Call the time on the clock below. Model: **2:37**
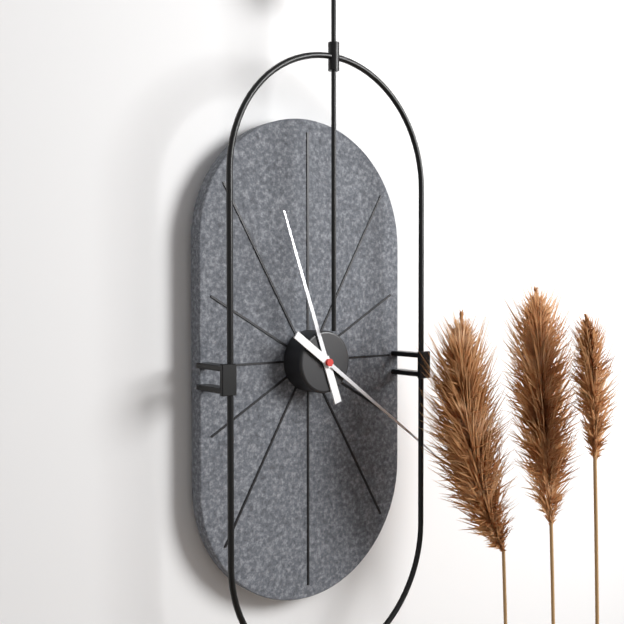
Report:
**11:21**
